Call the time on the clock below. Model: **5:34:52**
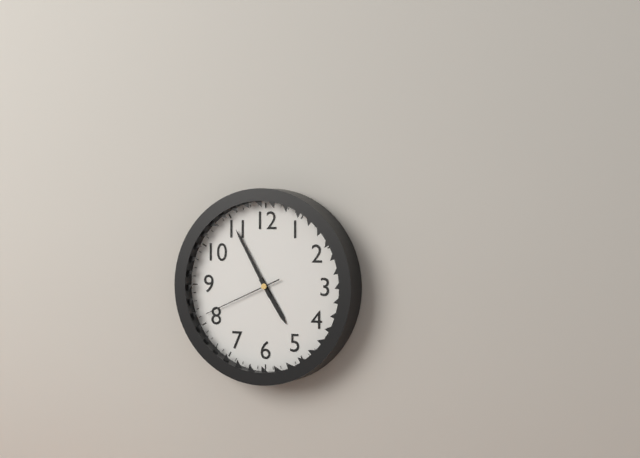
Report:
**4:55:41**
